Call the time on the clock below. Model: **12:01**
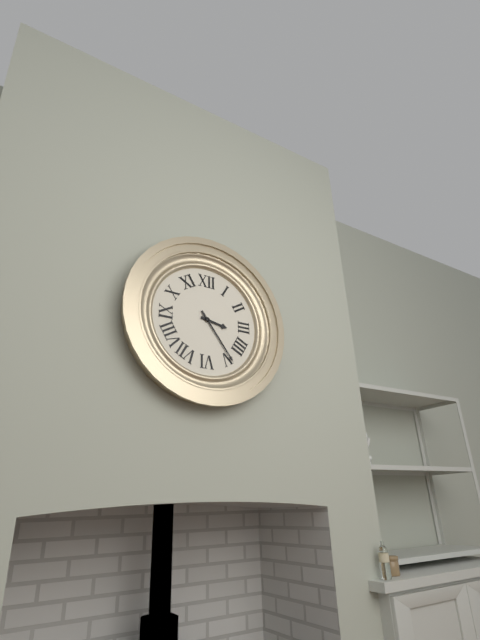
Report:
**3:24**
